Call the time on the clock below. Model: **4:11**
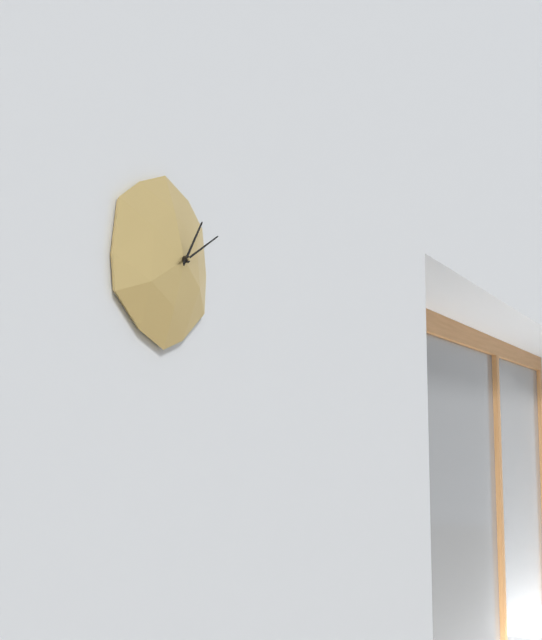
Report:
**1:10**
